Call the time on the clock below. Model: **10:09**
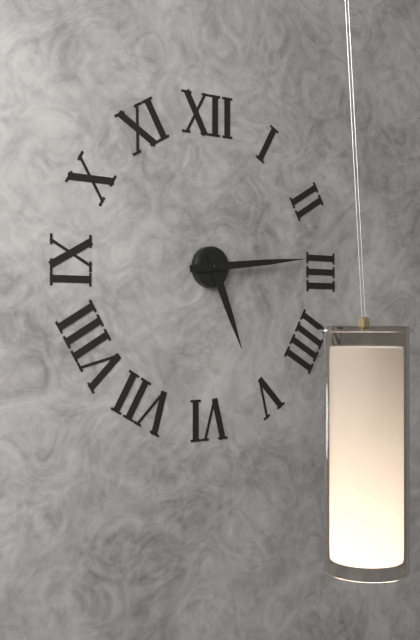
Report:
**5:14**
